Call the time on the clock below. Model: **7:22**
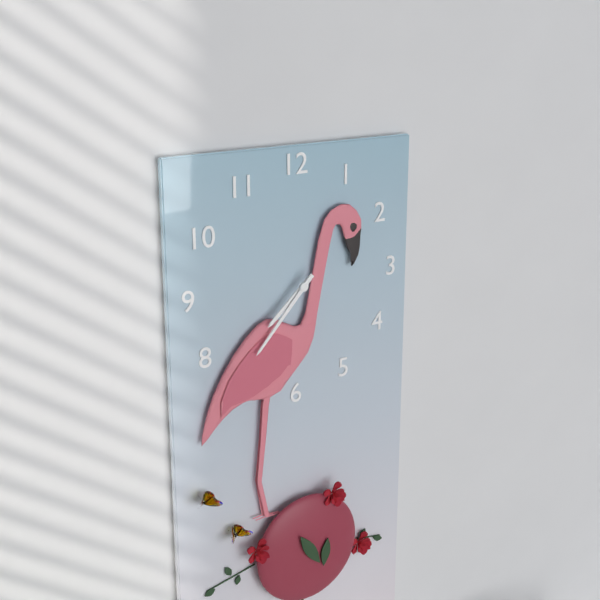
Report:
**7:37**
